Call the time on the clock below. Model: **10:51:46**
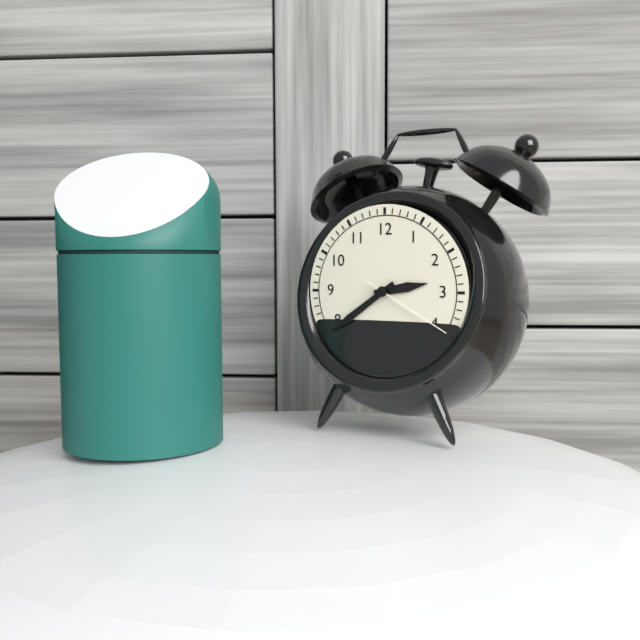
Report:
**2:39:20**
